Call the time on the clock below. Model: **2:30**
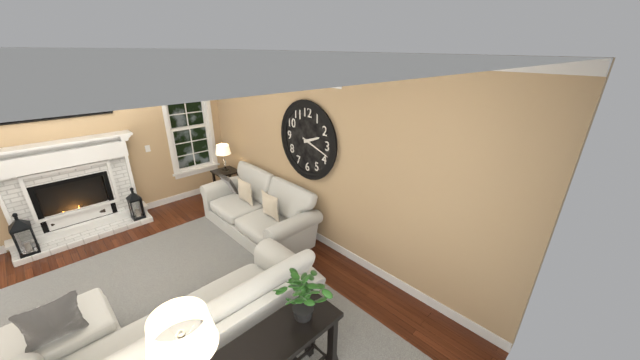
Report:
**2:18**
